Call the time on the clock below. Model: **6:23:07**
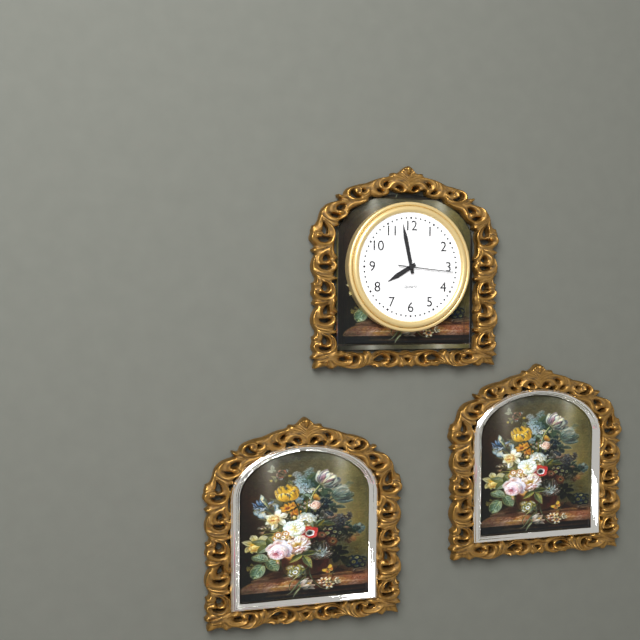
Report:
**7:58:16**
